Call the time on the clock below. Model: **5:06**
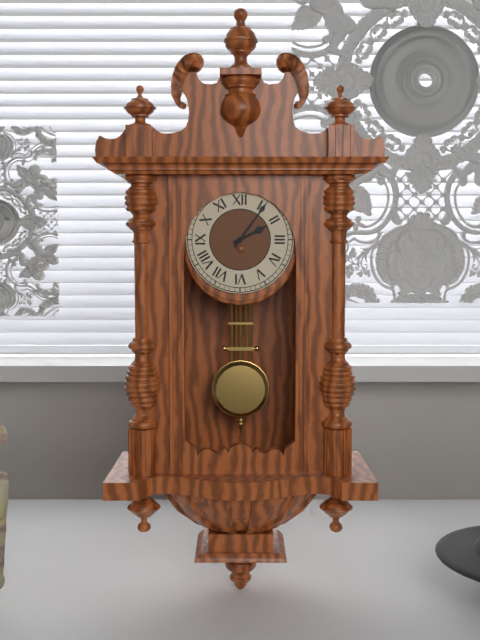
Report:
**2:06**
